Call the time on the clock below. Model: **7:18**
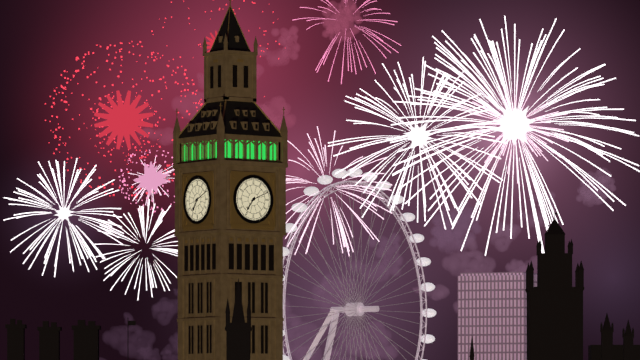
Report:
**7:11**
